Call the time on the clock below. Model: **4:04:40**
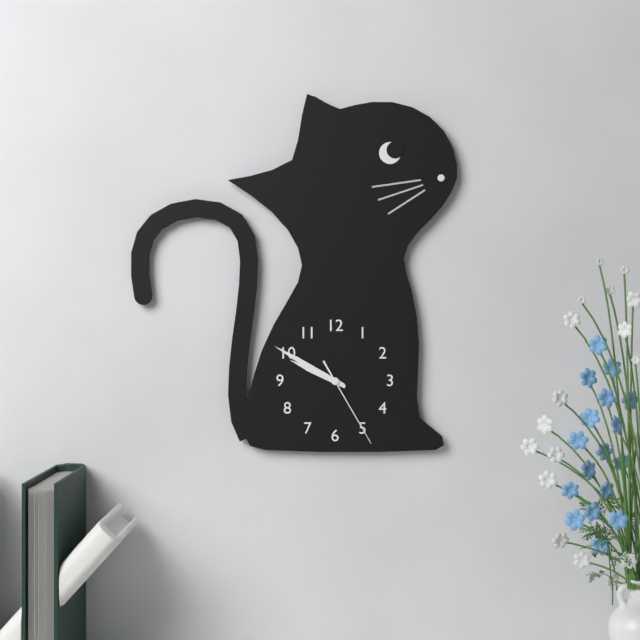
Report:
**9:50:25**
